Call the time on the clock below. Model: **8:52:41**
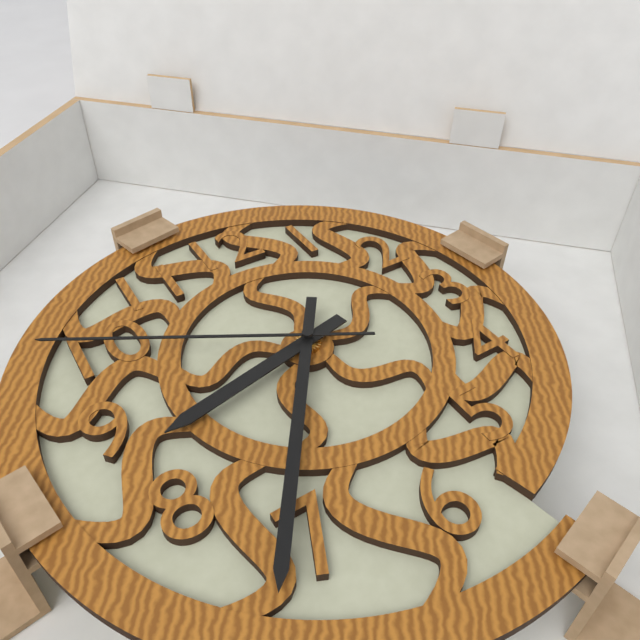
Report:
**8:36:50**
